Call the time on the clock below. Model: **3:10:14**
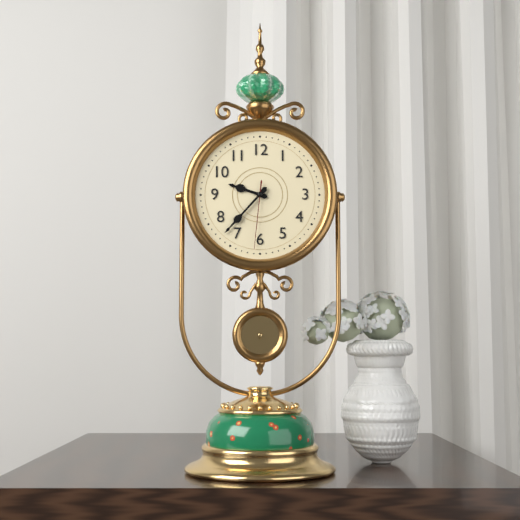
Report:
**9:37:31**
